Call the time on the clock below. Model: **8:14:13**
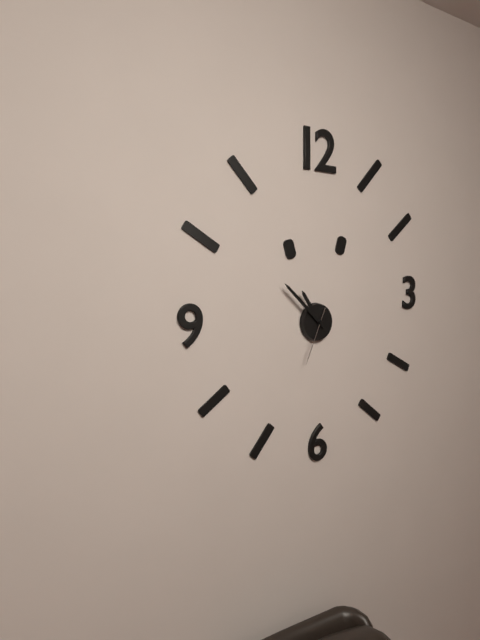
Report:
**10:52:34**
